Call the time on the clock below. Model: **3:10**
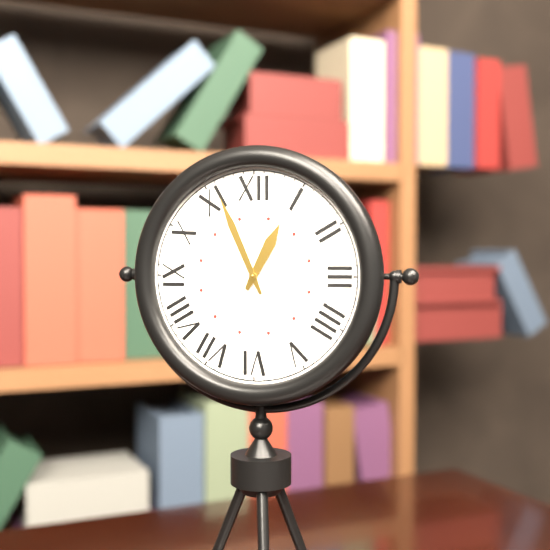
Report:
**12:56**
